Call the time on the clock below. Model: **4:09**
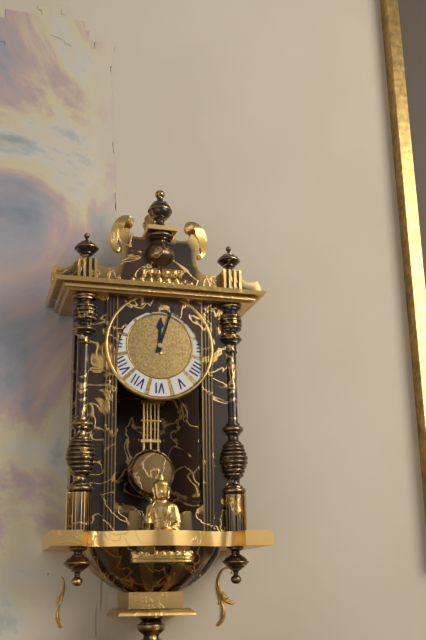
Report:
**12:03**
